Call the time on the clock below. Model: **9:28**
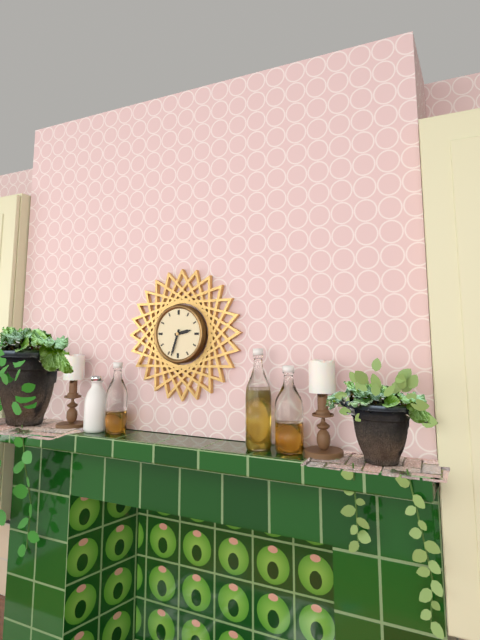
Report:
**2:33**
